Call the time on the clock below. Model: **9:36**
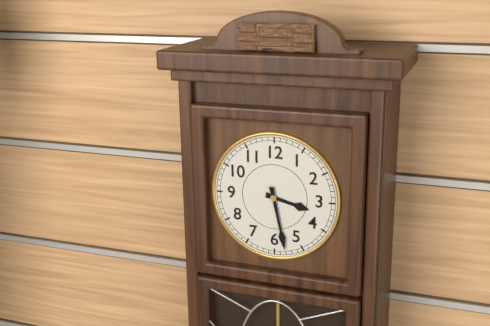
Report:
**3:28**
